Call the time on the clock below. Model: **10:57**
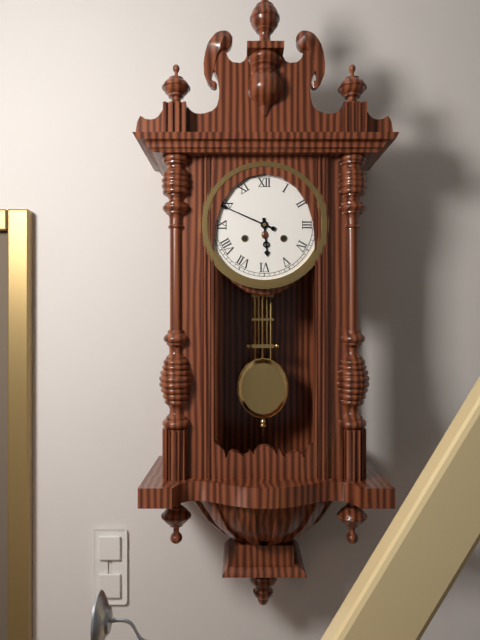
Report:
**5:49**
